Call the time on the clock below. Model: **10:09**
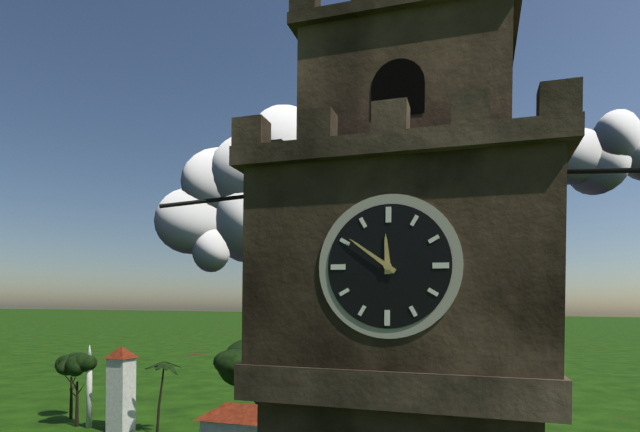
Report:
**11:51**
